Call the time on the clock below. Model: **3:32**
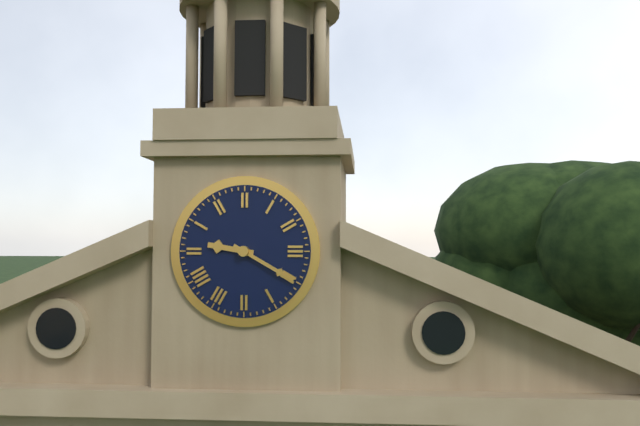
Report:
**9:20**
